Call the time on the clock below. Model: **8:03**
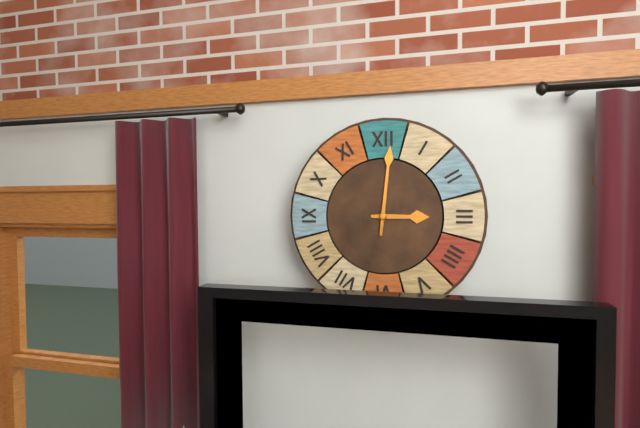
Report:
**3:01**
